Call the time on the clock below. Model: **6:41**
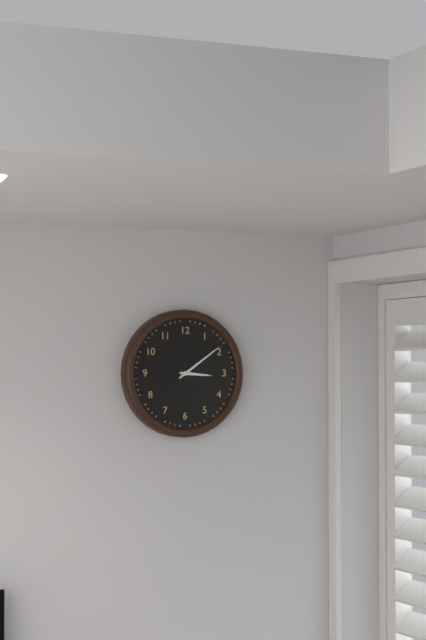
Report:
**3:09**
